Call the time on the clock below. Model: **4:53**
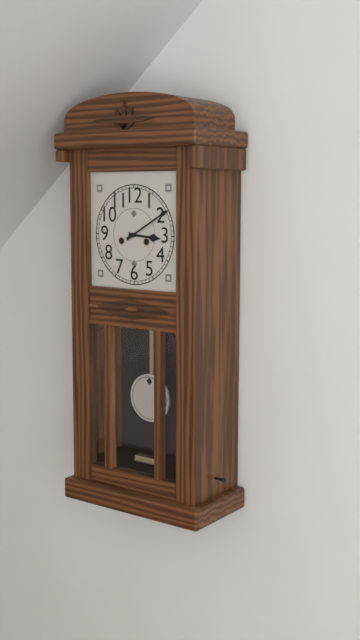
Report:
**3:10**
